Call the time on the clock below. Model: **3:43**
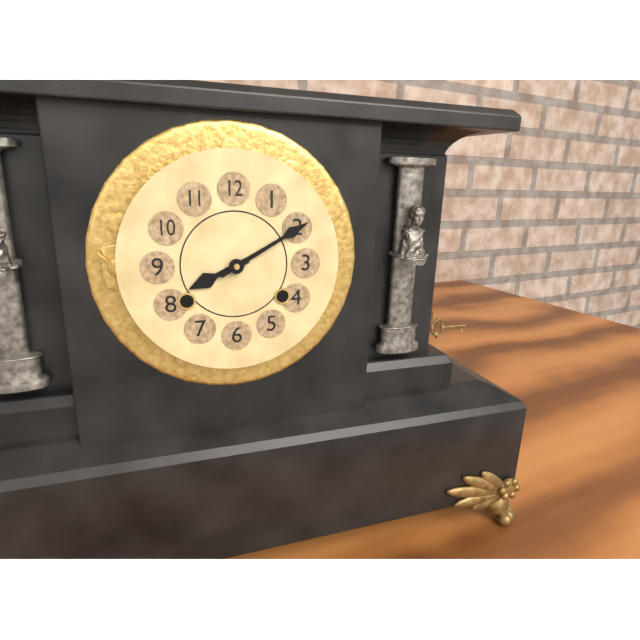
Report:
**8:10**
